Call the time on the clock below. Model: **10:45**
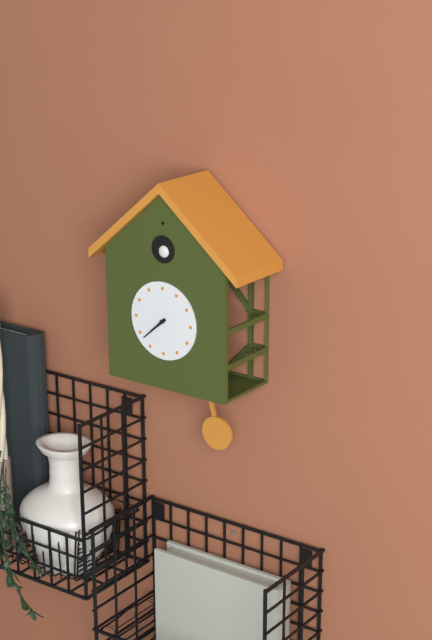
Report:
**7:38**
